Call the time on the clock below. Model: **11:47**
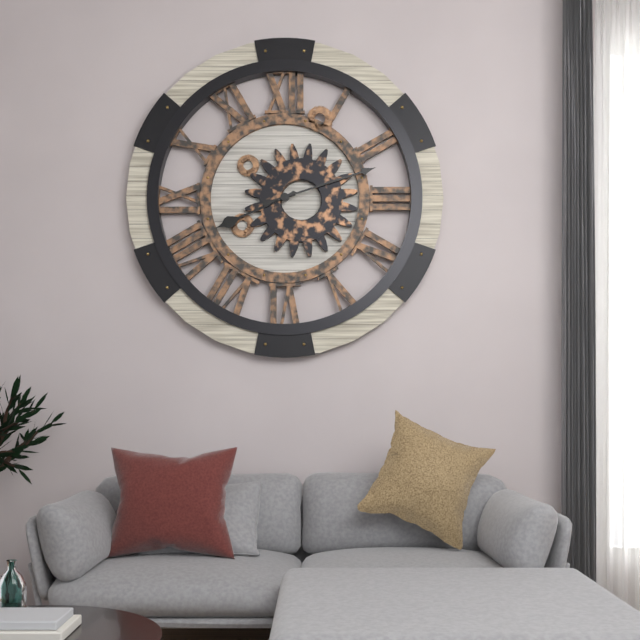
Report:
**8:12**
